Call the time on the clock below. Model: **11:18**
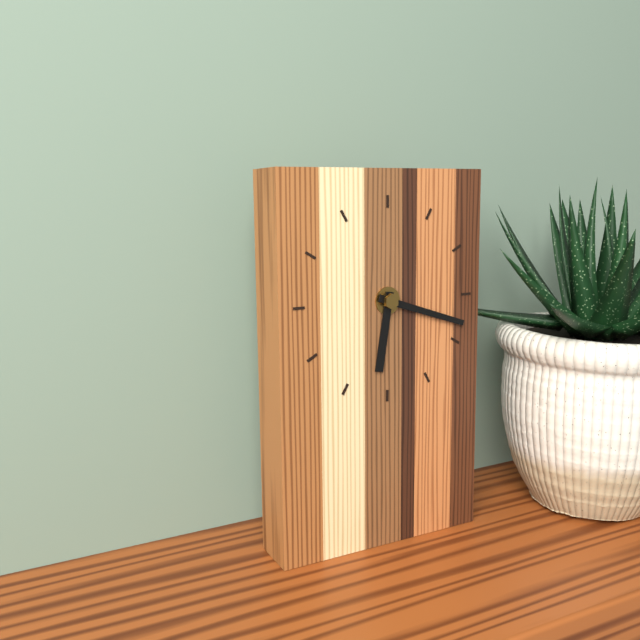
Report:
**6:18**
